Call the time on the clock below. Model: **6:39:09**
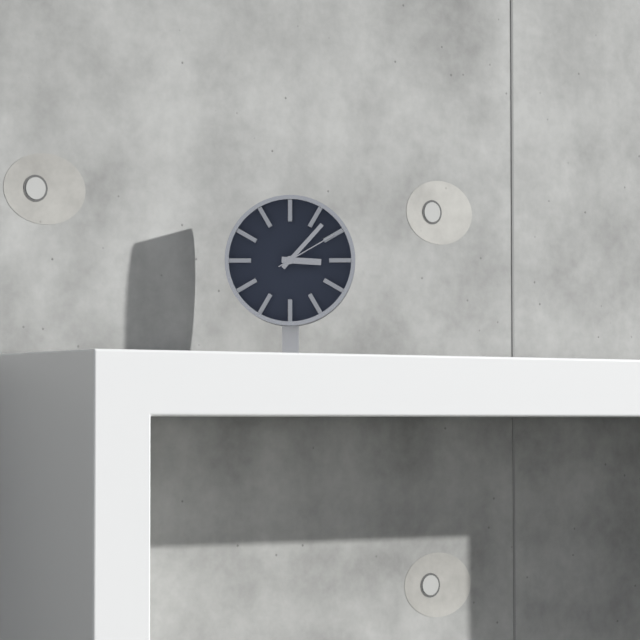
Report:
**3:07:10**
